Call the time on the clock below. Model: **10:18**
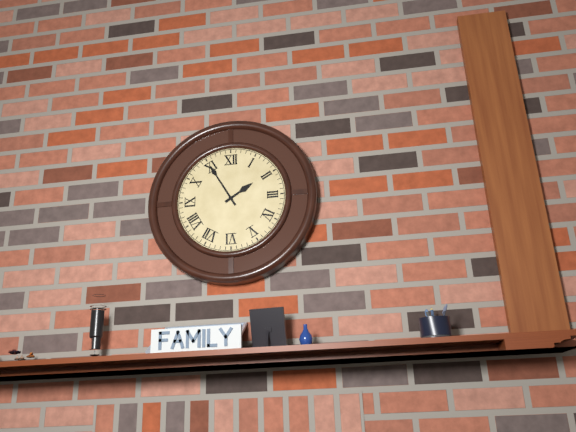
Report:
**1:55**
